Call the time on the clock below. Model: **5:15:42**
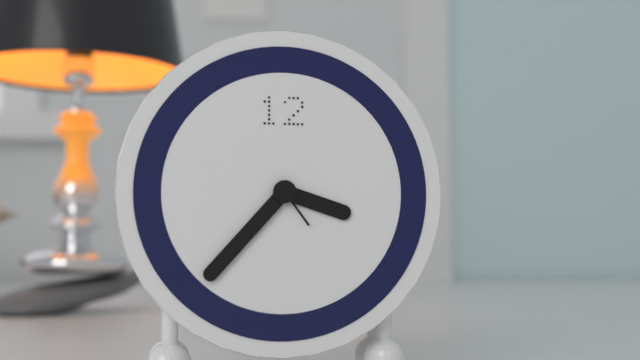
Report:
**3:37:24**
